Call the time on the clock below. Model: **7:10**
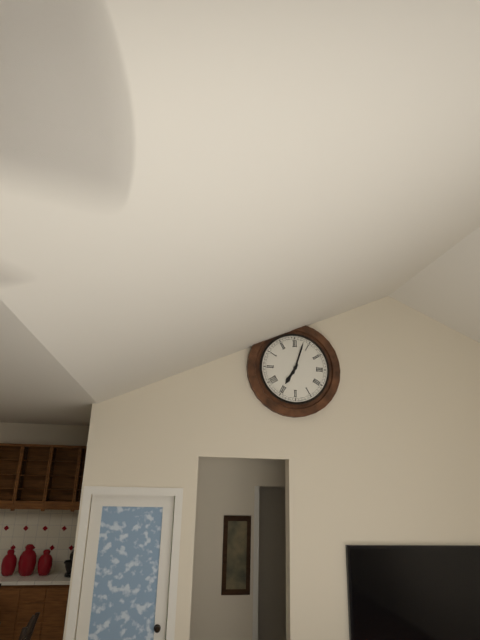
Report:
**7:03**
